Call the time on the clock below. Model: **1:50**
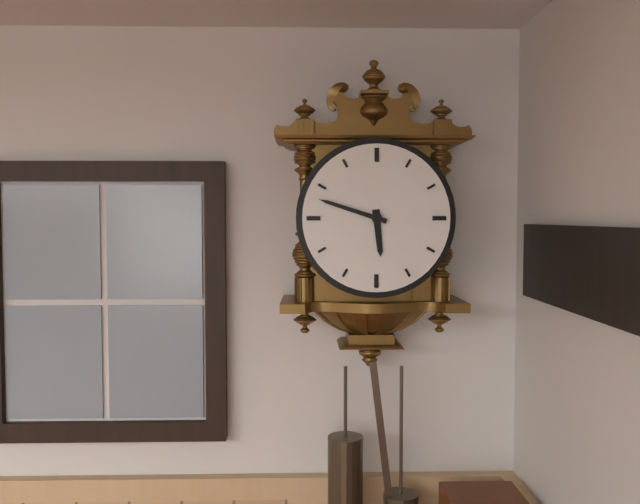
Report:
**5:48**
